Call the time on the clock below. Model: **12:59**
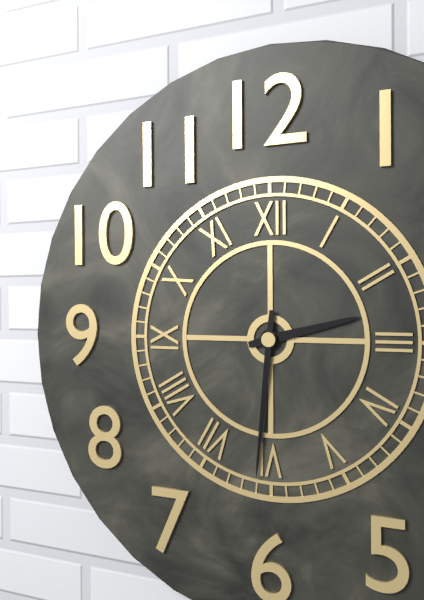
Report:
**2:31**
